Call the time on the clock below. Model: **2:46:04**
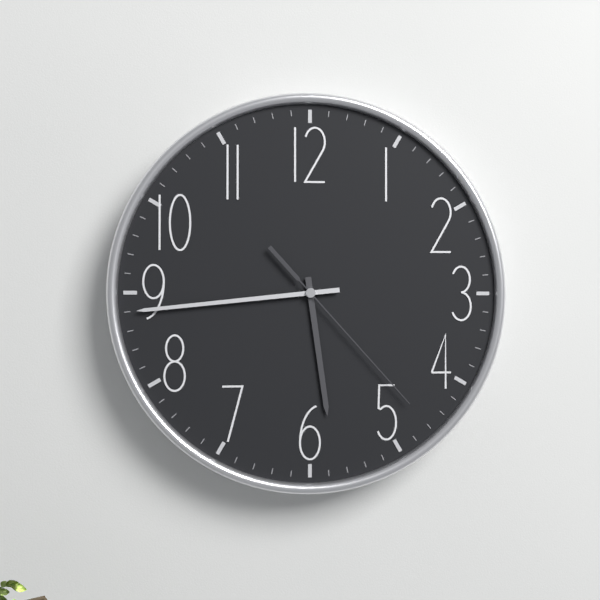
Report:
**5:44:23**
